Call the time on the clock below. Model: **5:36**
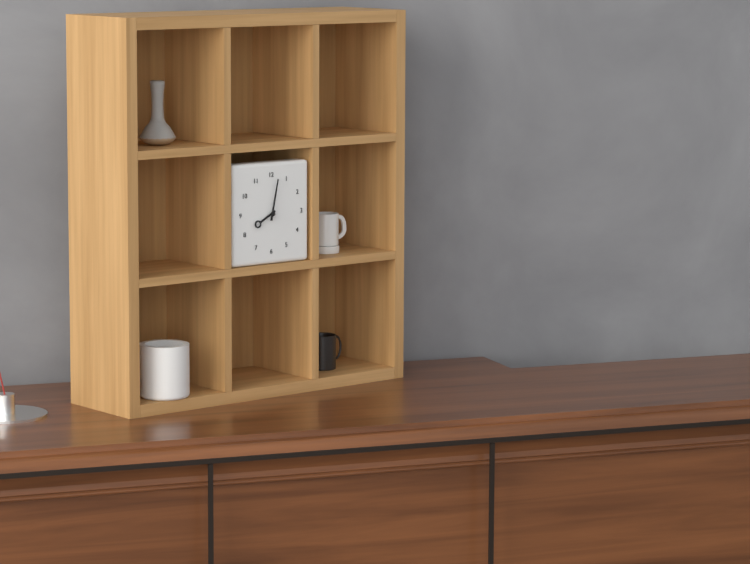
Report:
**8:02**
